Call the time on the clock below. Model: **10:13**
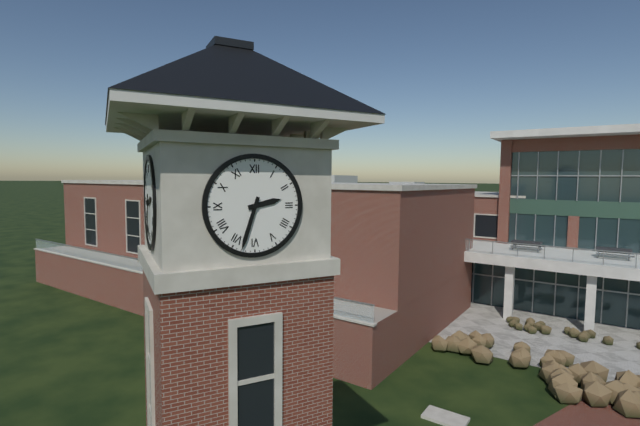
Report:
**2:33**
